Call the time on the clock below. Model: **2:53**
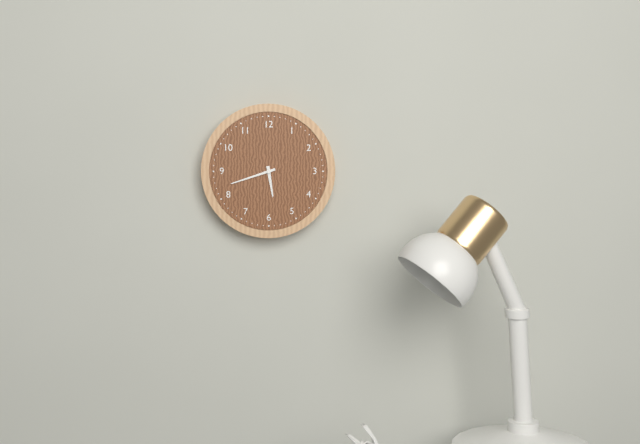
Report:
**5:42**
